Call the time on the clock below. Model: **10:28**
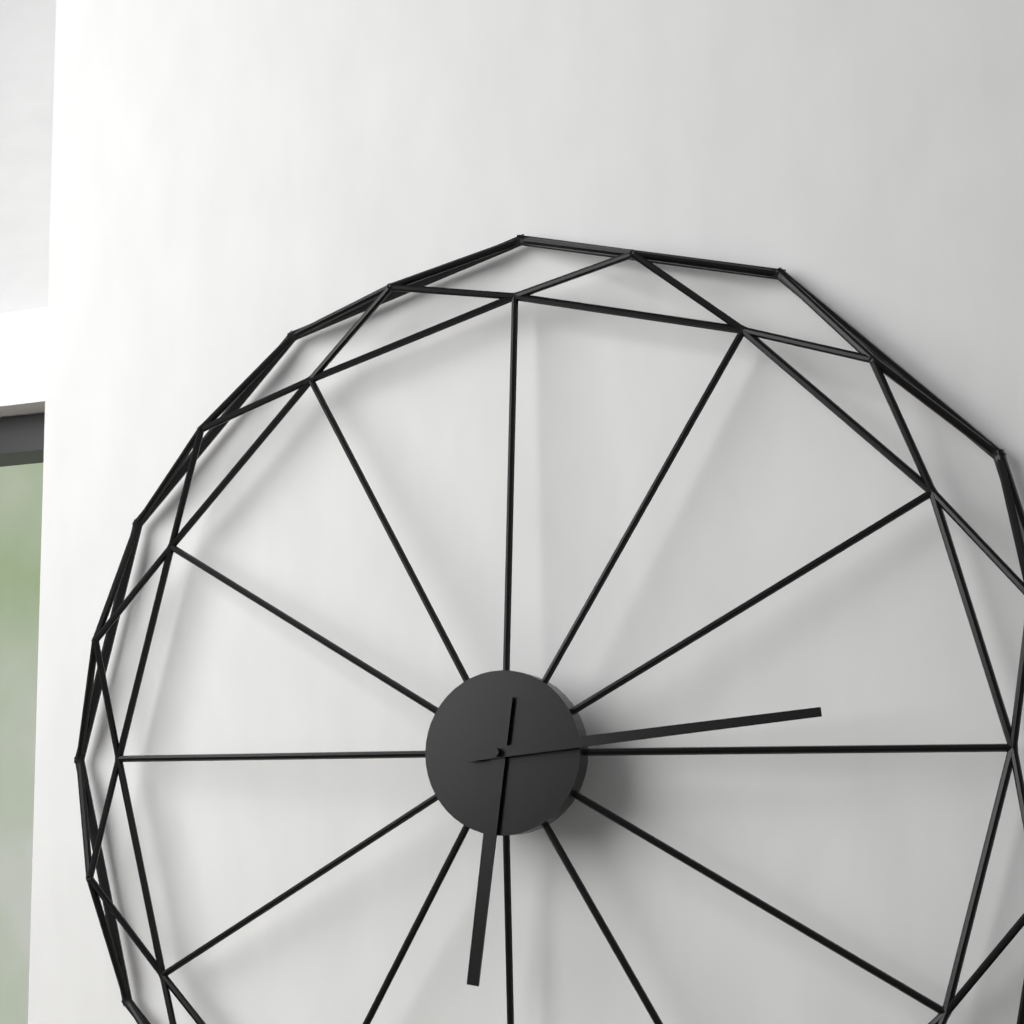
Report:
**6:14**
